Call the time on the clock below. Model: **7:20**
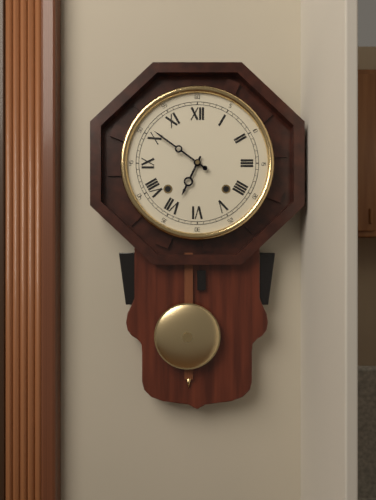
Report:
**6:51**
